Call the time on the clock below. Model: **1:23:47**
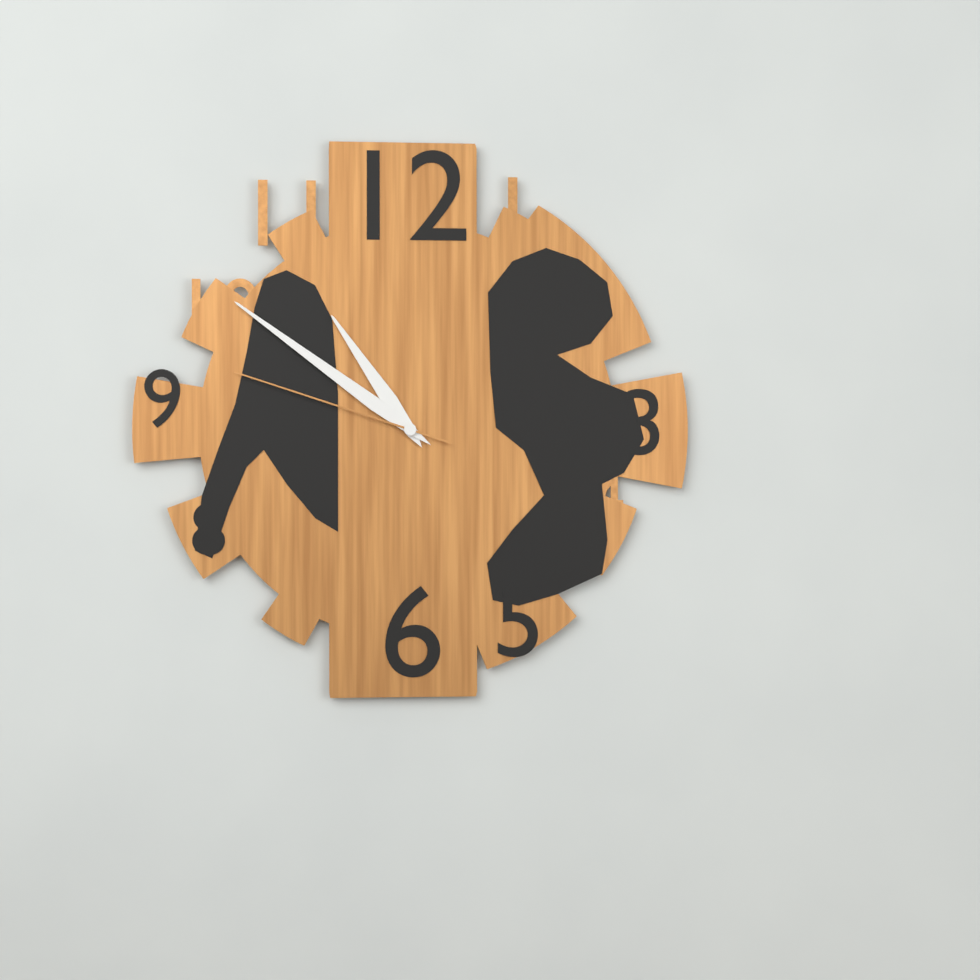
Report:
**10:51:48**
